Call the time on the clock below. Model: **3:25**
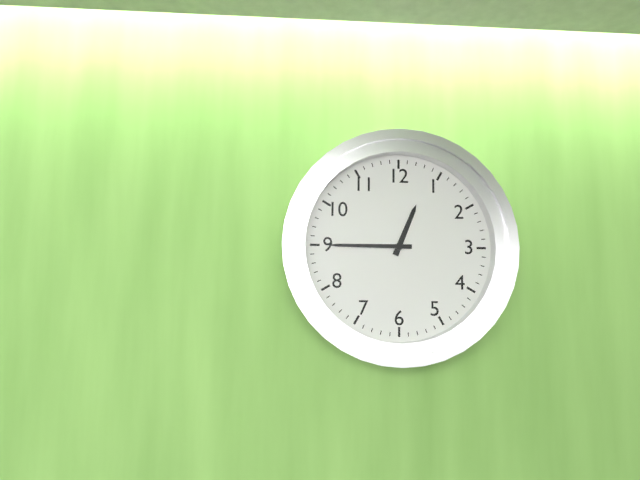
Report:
**12:45**
